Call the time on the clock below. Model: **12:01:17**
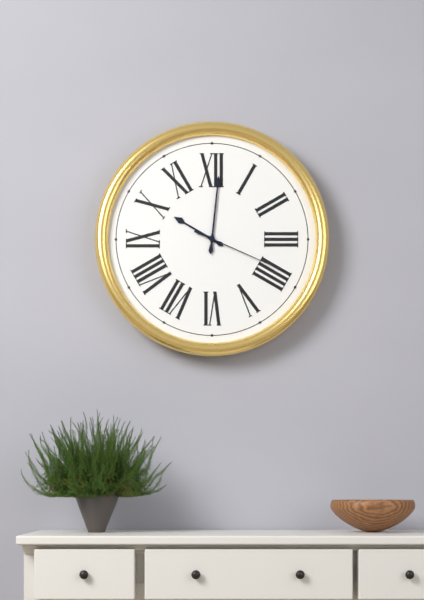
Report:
**10:01:19**
